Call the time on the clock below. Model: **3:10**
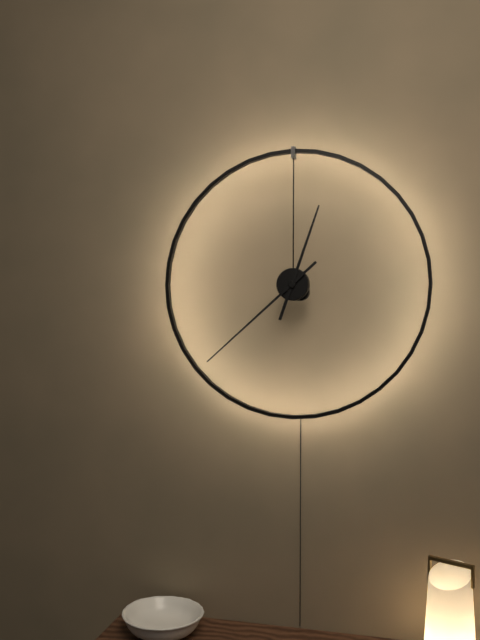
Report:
**12:38**
